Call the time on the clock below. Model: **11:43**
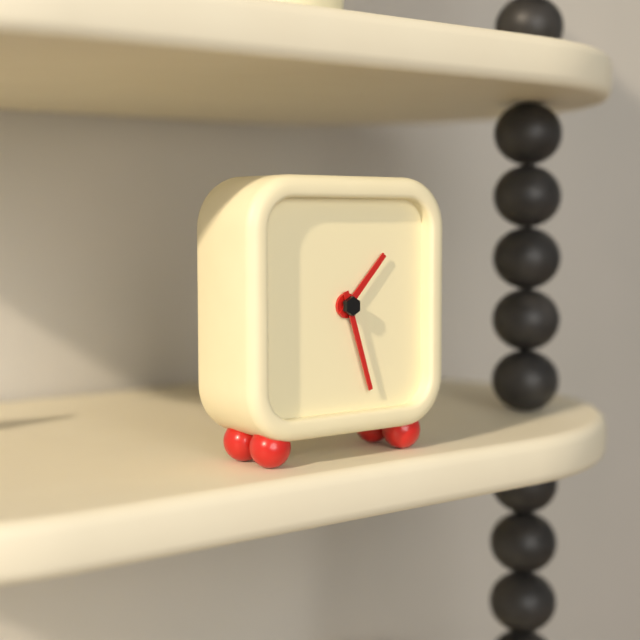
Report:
**1:27**
